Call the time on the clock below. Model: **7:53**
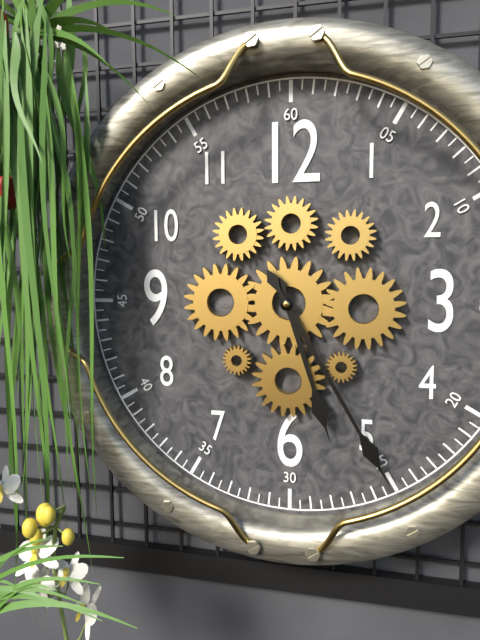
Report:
**5:25**
